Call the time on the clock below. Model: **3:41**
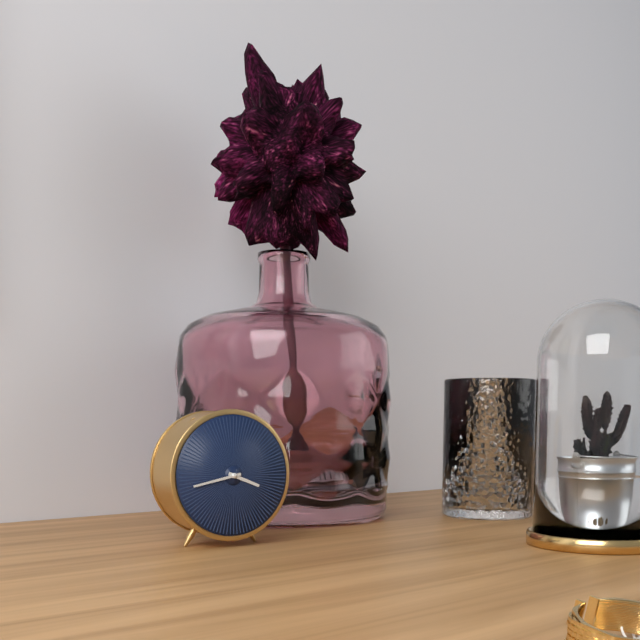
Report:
**3:43**
